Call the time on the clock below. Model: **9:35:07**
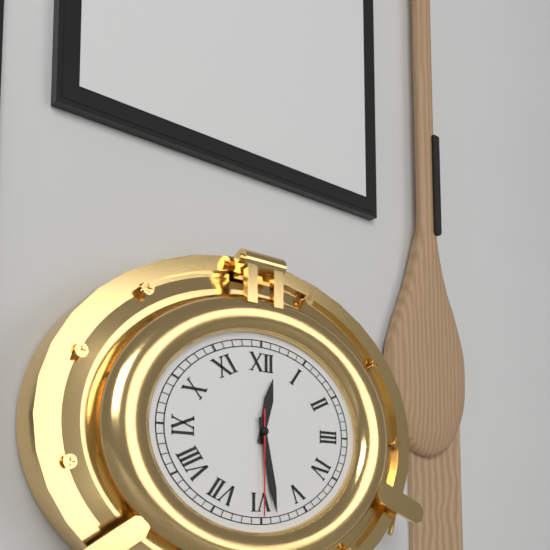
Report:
**12:28:30**
